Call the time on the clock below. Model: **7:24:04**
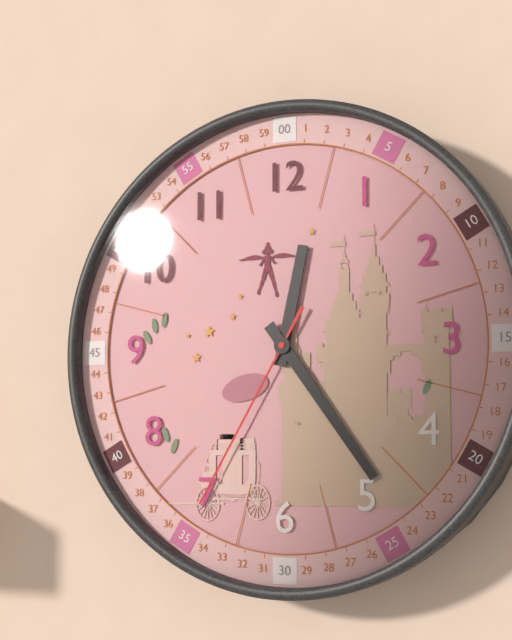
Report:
**12:24:35**
